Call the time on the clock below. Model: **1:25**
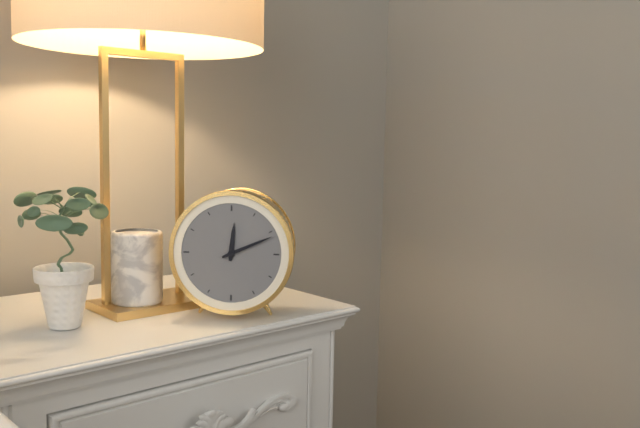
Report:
**12:11**
